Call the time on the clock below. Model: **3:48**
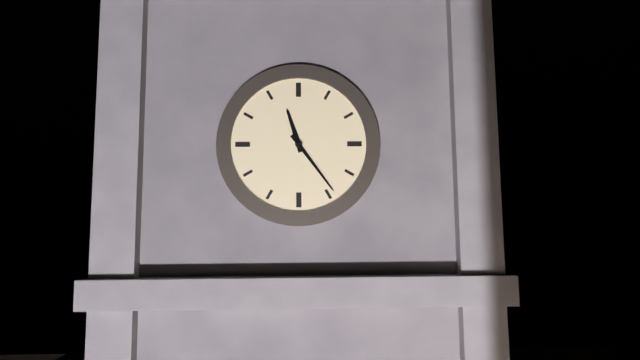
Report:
**11:24**
